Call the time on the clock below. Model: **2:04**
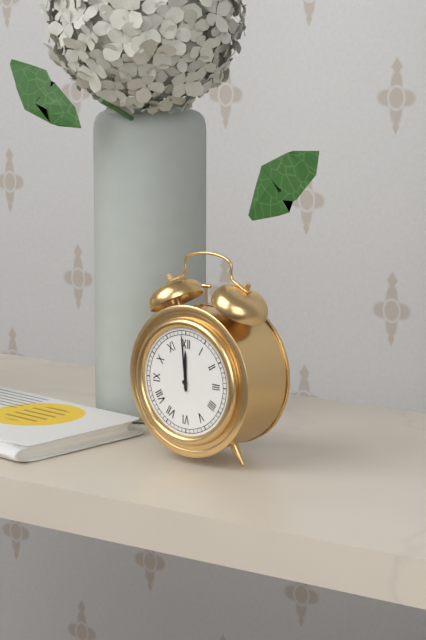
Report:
**11:59**
